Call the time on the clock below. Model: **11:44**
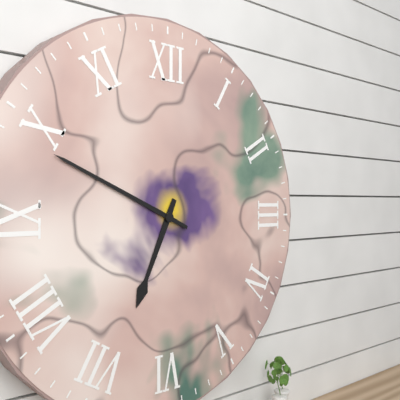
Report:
**6:49**
